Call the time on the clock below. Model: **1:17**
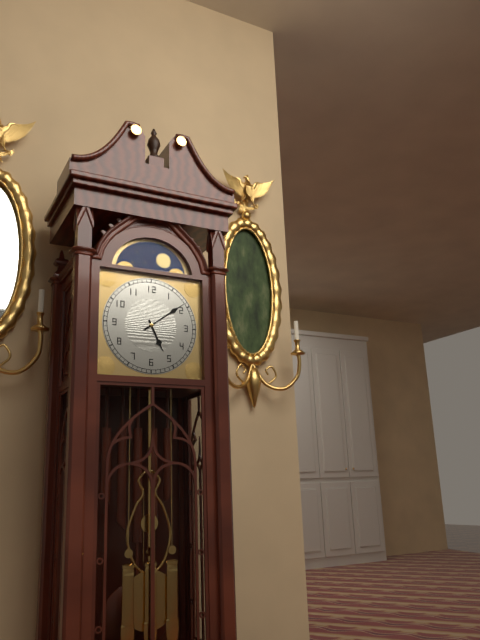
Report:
**5:09**
